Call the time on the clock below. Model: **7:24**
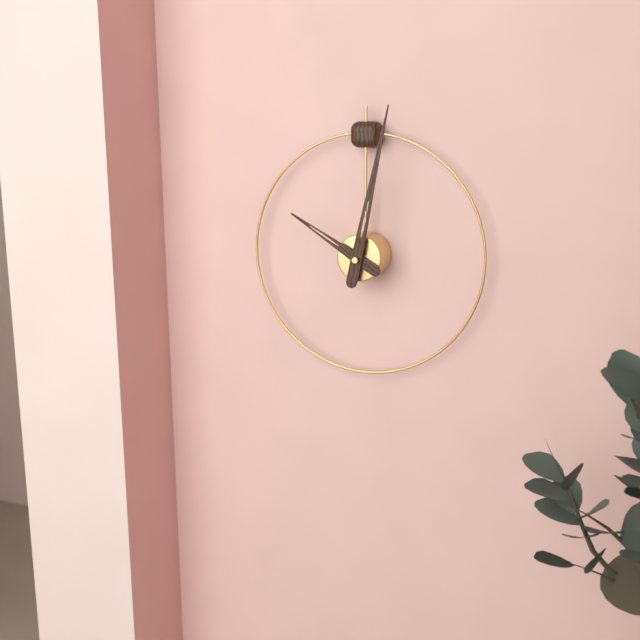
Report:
**10:02**
